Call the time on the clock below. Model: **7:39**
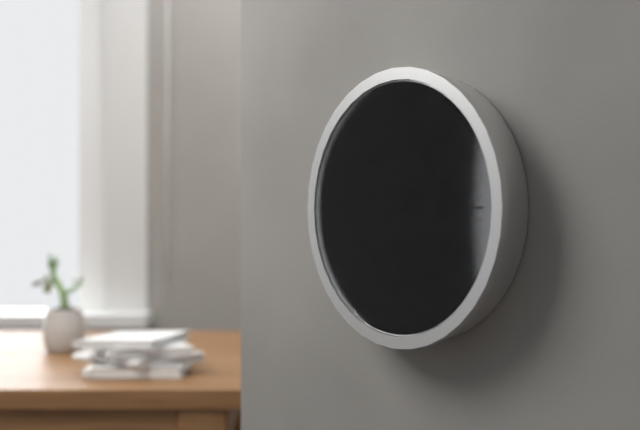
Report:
**9:27**
